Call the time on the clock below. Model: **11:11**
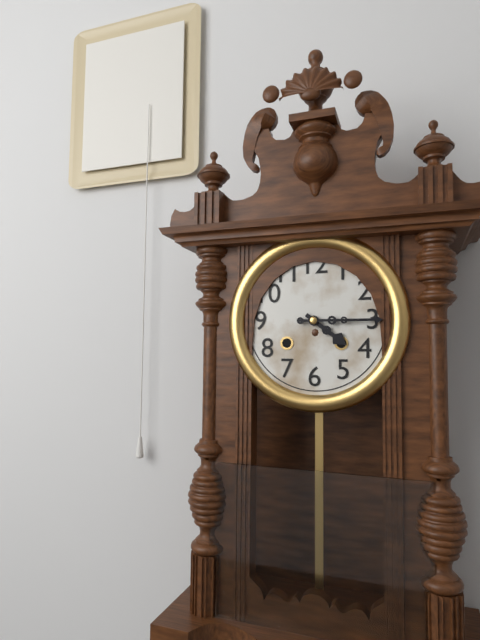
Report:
**4:15**
